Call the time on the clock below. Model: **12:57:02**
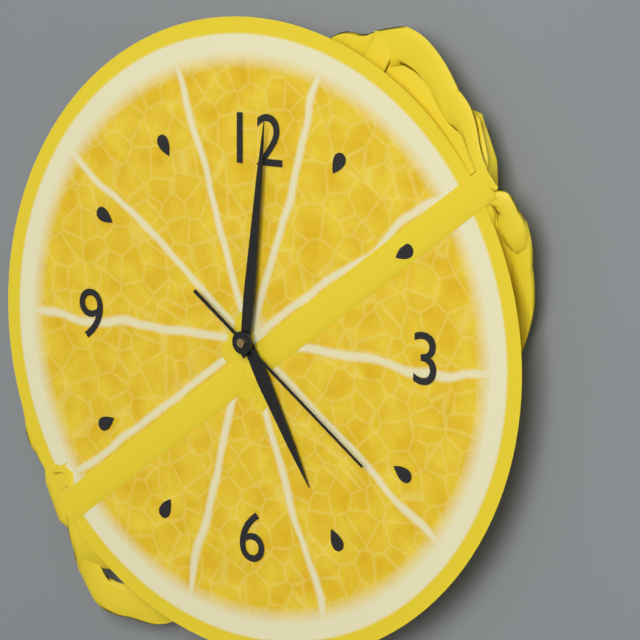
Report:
**5:01:21**
